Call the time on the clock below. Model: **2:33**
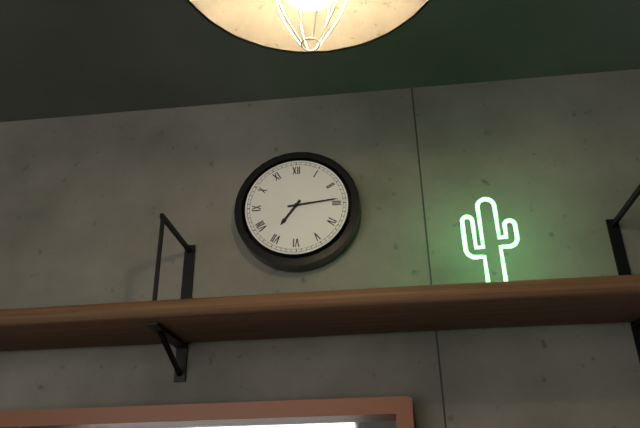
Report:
**7:14**
